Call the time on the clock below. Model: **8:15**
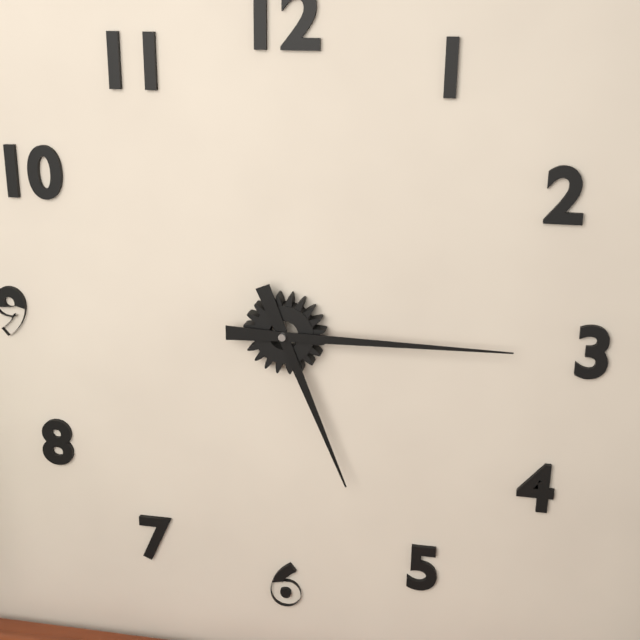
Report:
**5:15**
